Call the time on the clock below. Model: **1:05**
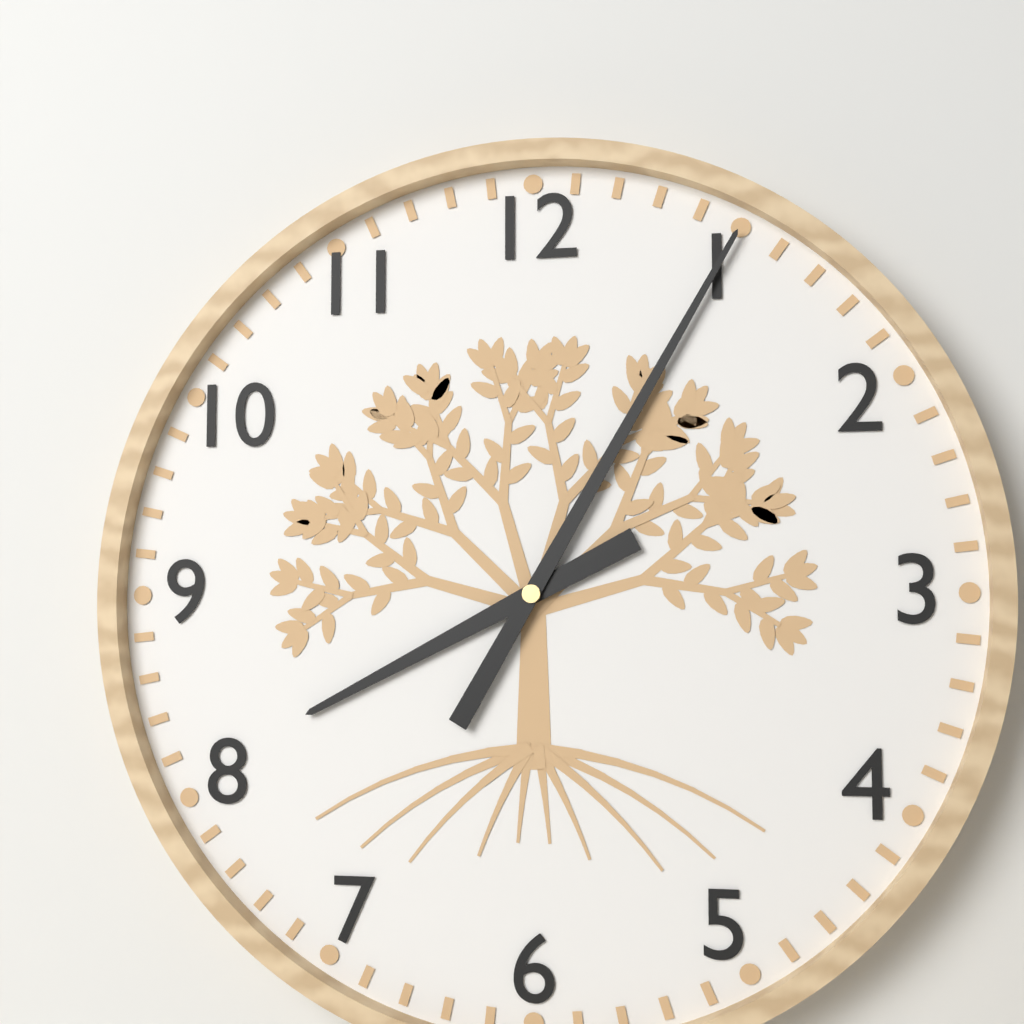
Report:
**8:05**
